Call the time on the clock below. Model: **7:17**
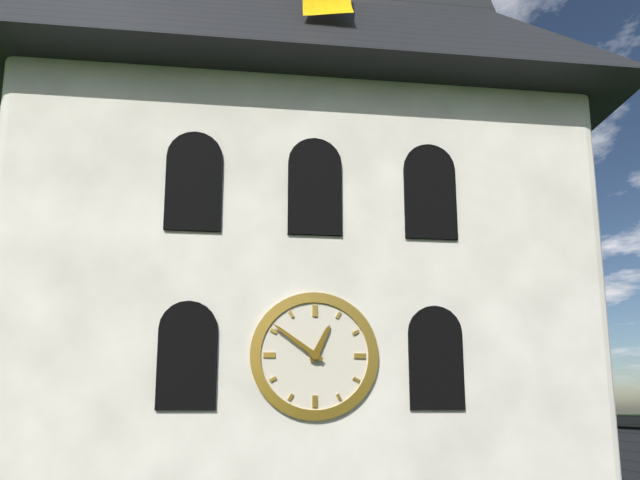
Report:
**12:51**
